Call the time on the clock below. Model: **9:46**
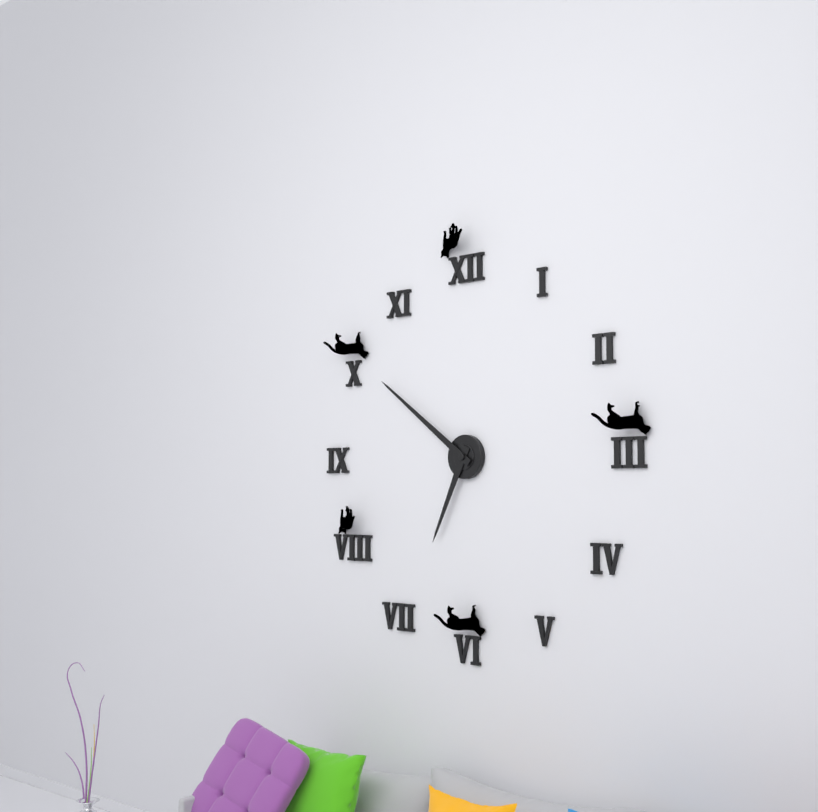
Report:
**6:51**
